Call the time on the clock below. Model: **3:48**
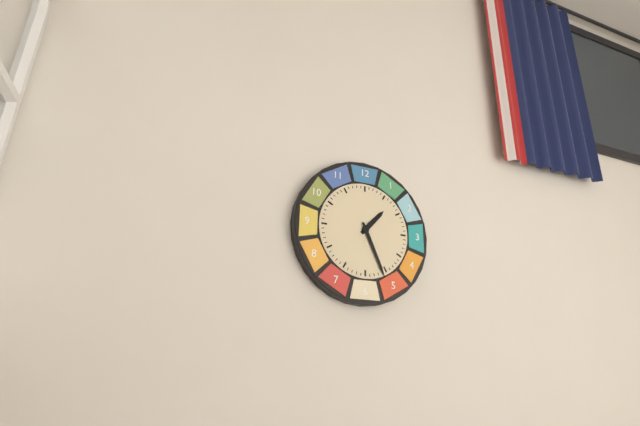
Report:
**1:26**
